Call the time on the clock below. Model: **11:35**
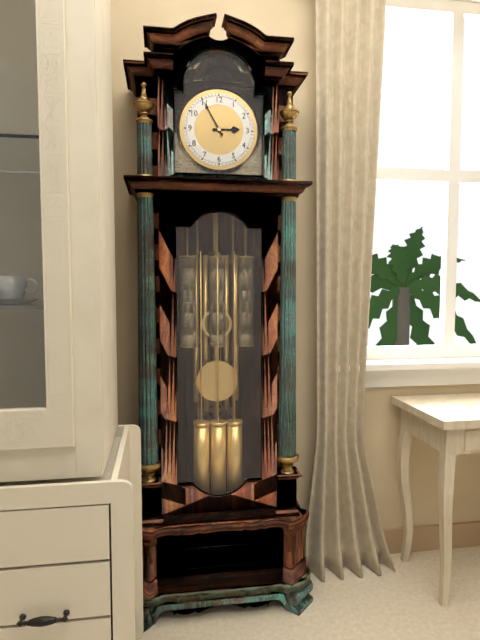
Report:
**2:55**
